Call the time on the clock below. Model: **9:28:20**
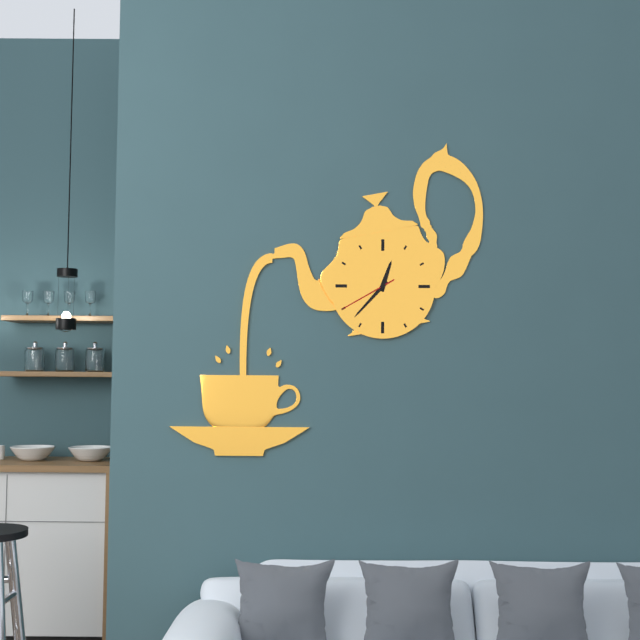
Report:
**12:37:40**
